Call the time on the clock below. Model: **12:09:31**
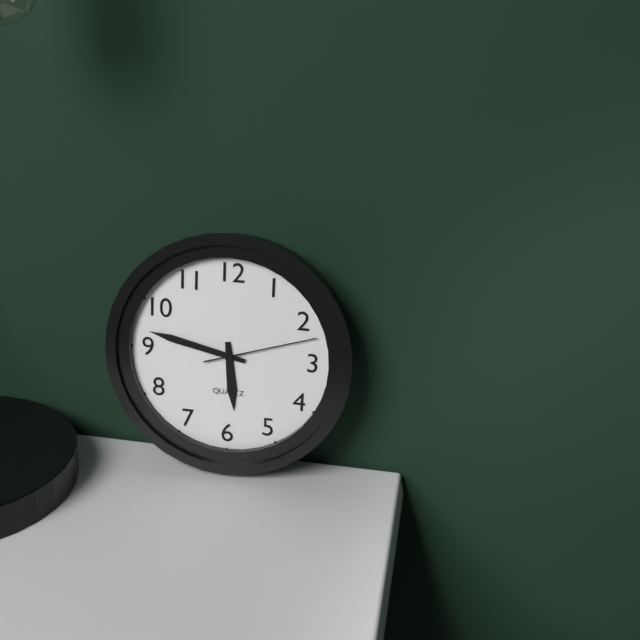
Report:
**5:47:12**
